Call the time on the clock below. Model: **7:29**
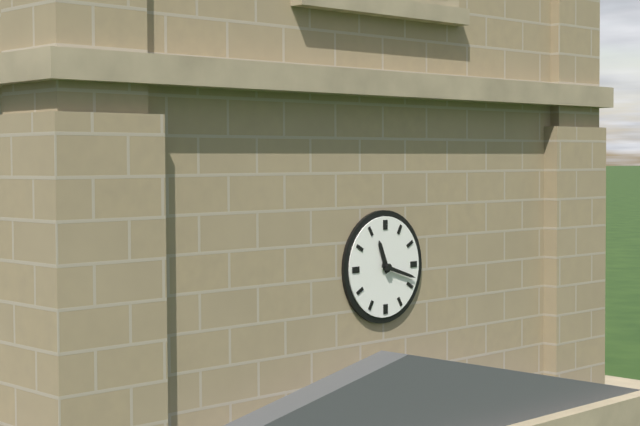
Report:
**11:18**
